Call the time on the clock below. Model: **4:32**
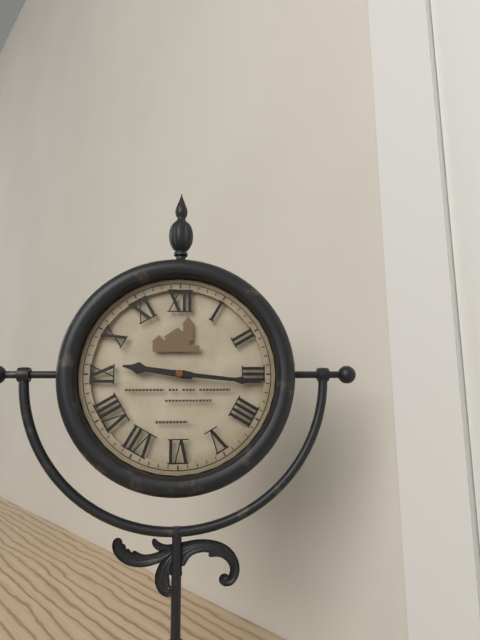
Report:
**9:16**
